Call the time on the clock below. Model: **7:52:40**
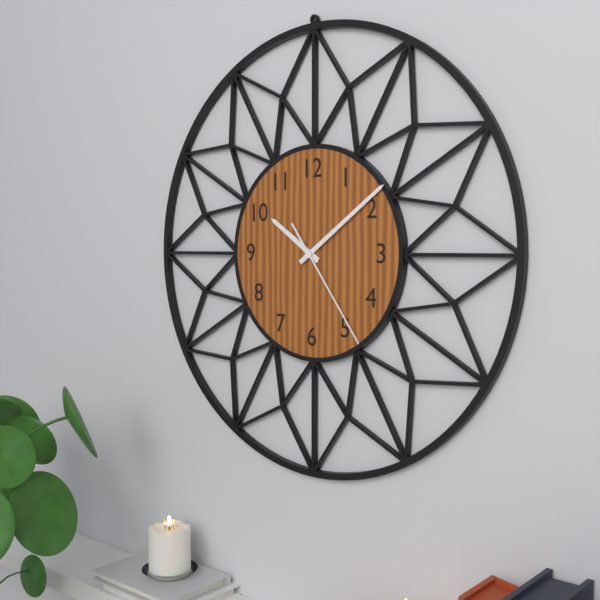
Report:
**10:09:24**
